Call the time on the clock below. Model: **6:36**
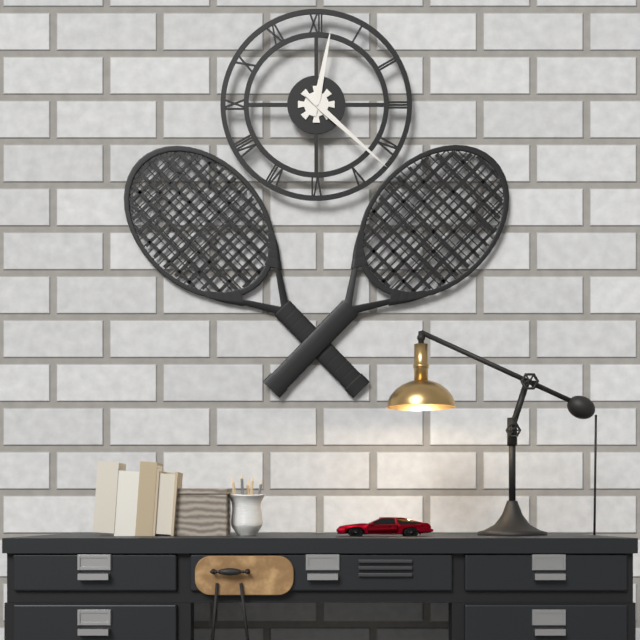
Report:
**12:22**
